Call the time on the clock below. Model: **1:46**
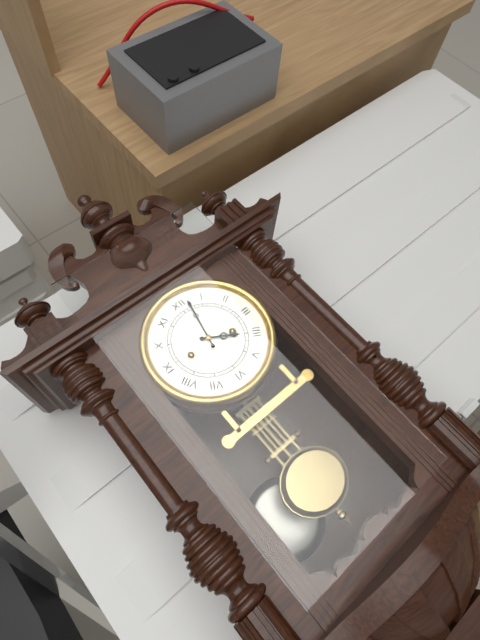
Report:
**4:02**
